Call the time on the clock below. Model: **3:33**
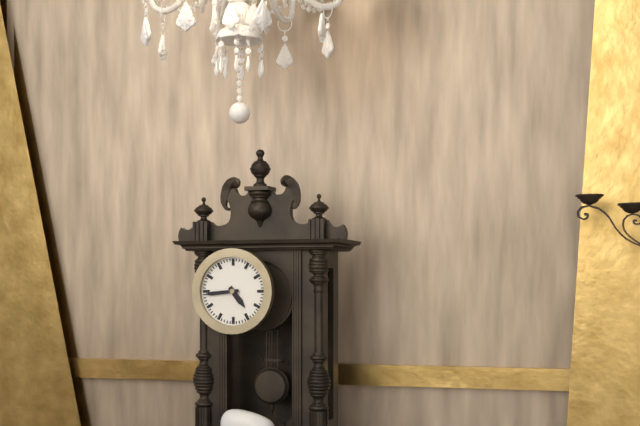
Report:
**4:44**
